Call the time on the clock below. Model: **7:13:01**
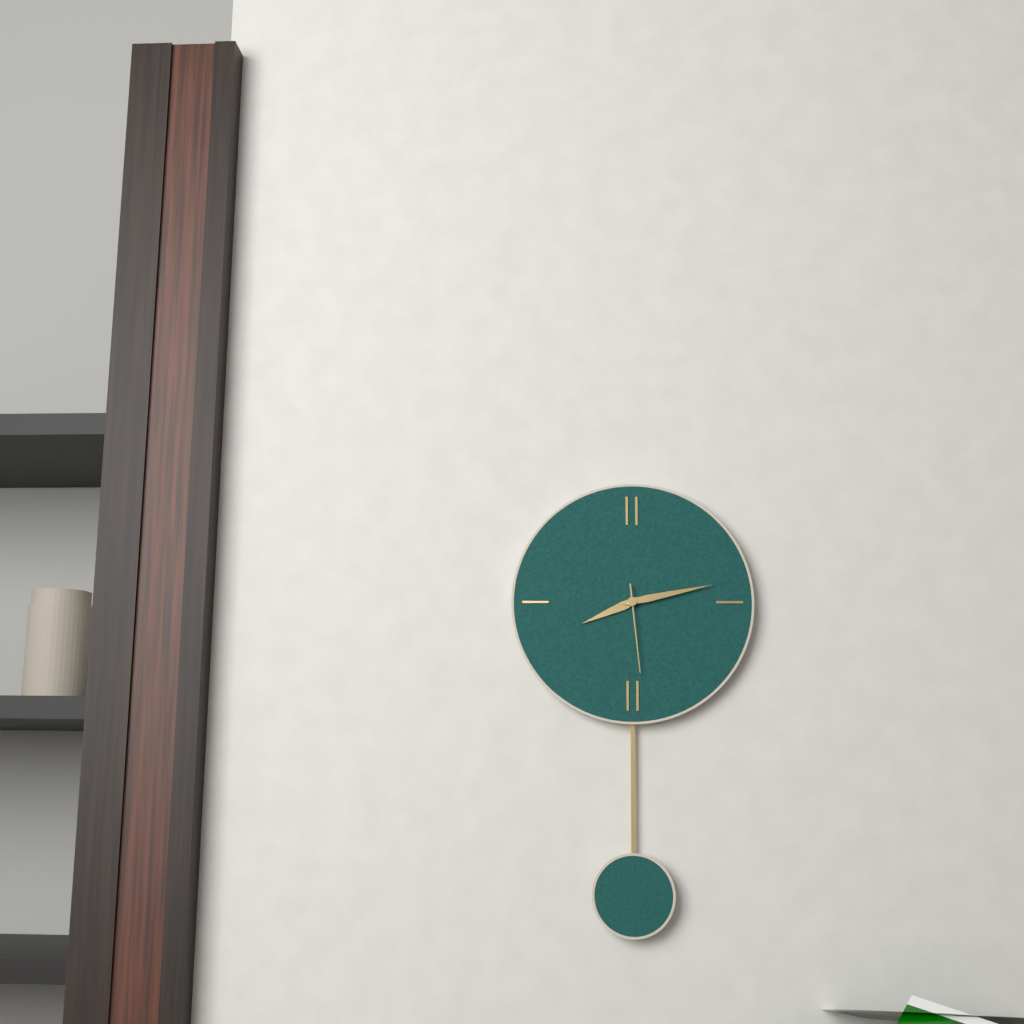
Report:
**8:13:29**
